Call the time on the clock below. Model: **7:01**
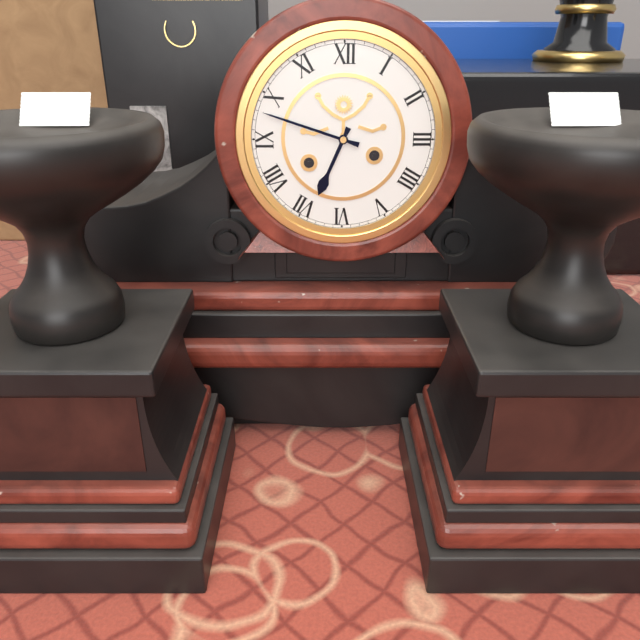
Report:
**6:48**
